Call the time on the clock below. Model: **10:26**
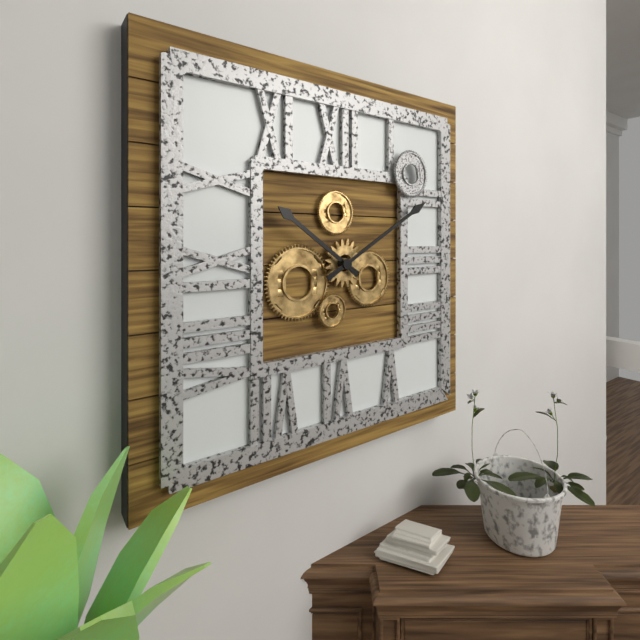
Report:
**10:10**
